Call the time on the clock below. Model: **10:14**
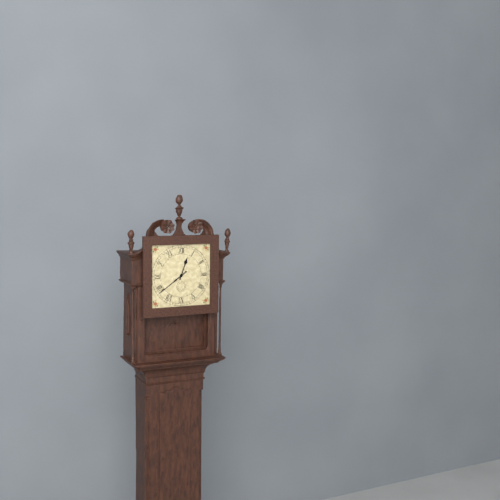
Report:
**12:39**
